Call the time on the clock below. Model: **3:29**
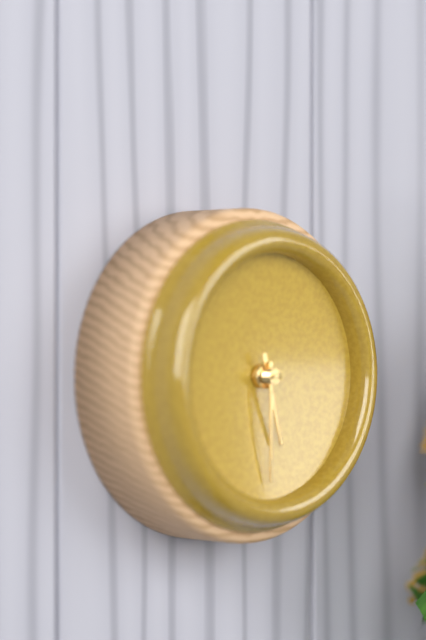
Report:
**5:30**
